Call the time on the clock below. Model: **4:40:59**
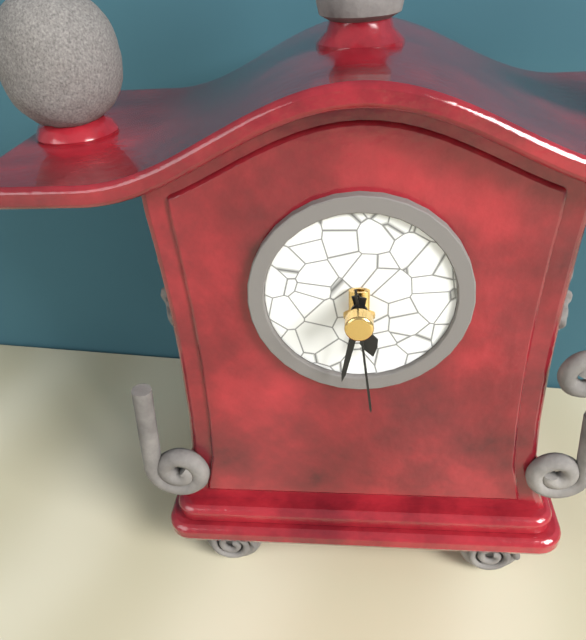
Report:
**5:32:29**
